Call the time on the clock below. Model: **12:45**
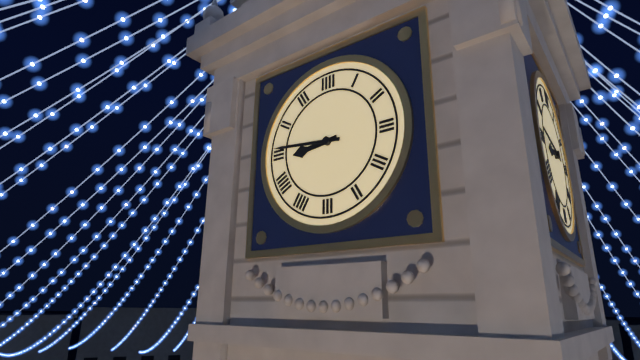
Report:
**8:46**
